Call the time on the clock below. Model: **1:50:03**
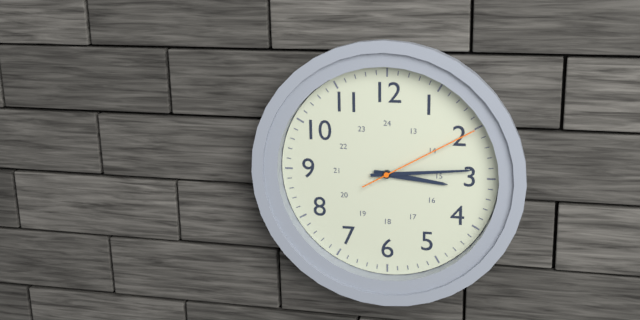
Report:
**3:14:10**
